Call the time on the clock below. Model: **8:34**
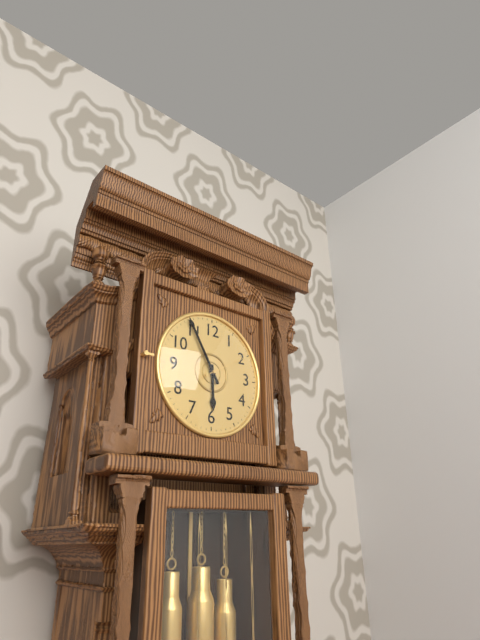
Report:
**5:55**
